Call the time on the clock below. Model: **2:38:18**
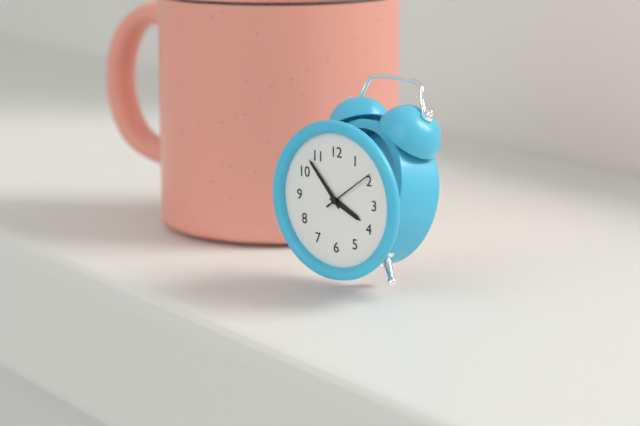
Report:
**3:53:09**
